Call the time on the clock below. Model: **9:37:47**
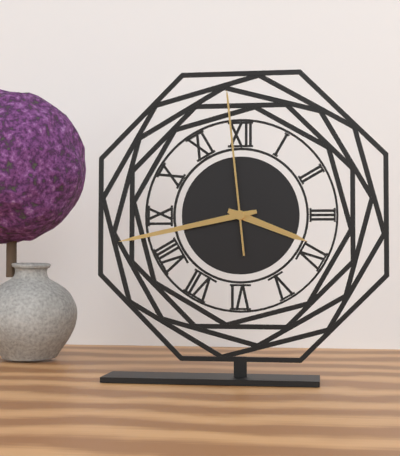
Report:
**3:43:59**
